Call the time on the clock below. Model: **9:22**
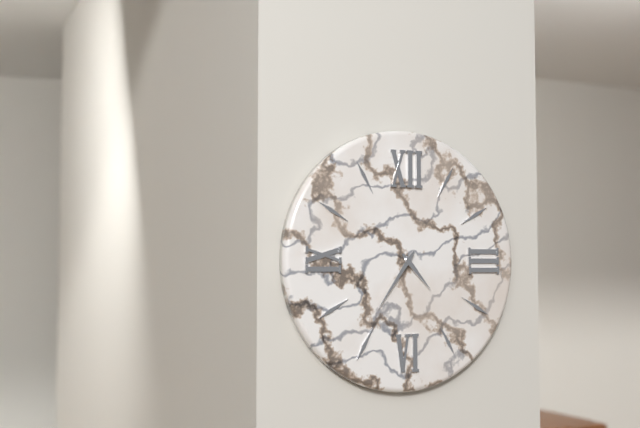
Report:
**4:36**
